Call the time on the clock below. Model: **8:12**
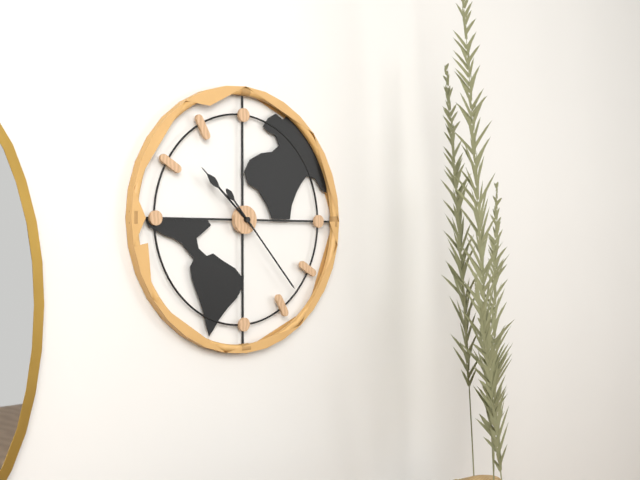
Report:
**10:23**
